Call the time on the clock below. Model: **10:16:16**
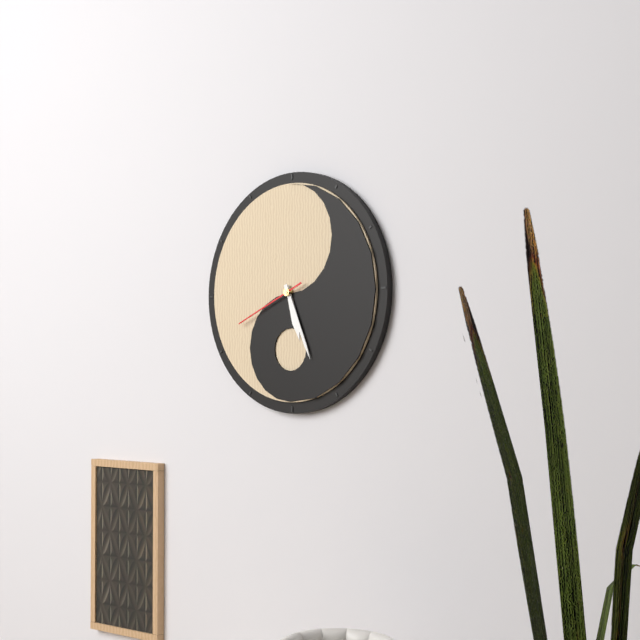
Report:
**5:26:41**
